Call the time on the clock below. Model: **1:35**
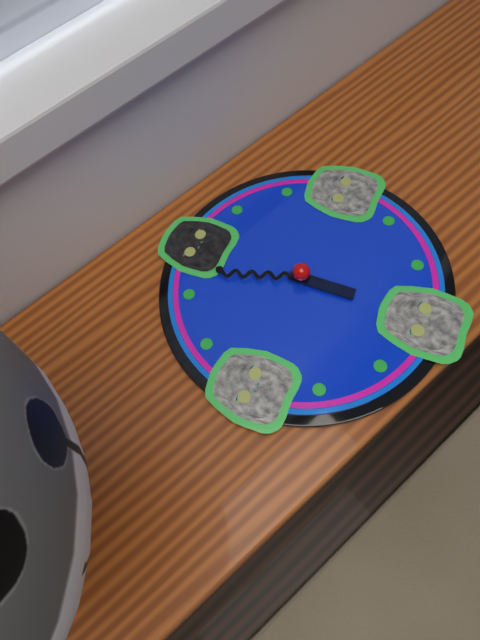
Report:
**5:57**
